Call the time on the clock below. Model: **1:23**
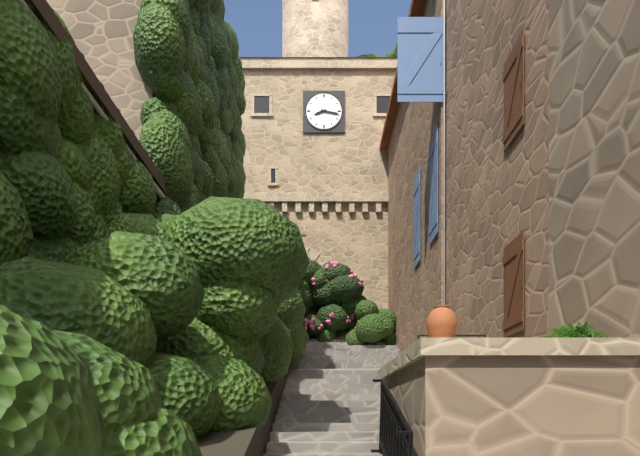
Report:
**8:17**
